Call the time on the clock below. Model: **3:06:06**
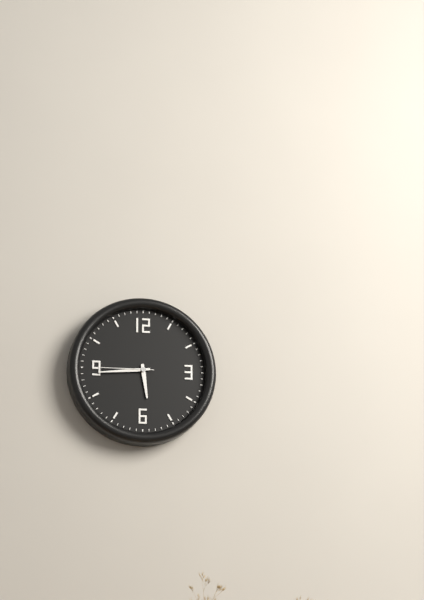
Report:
**5:44:45**
